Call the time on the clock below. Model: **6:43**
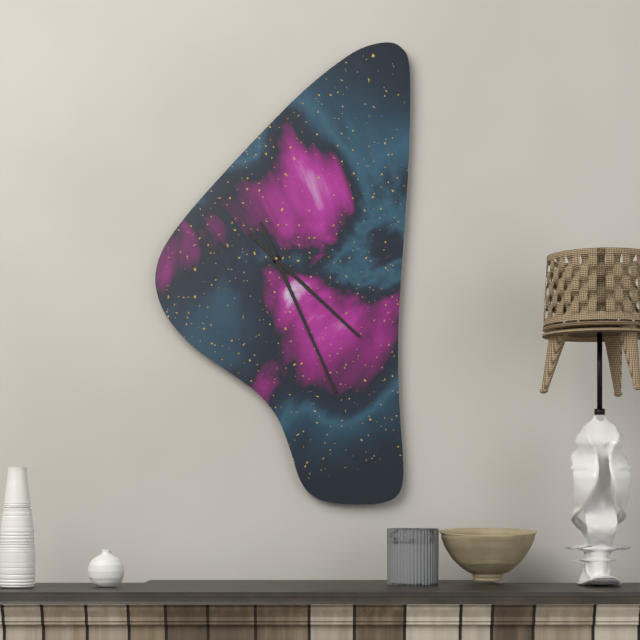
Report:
**4:26**
